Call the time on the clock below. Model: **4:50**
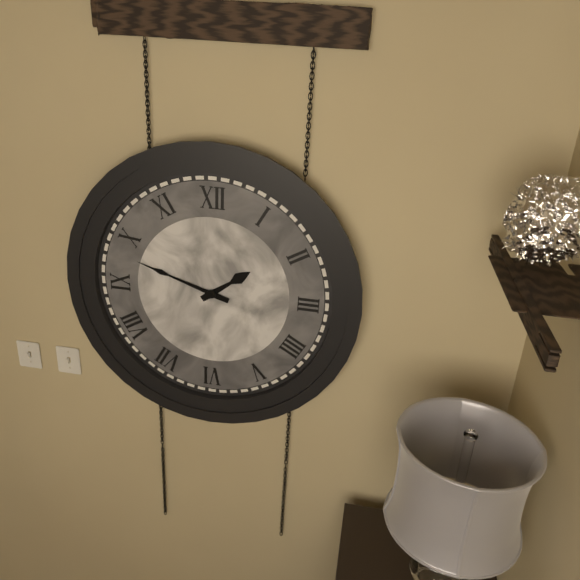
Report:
**1:48**
